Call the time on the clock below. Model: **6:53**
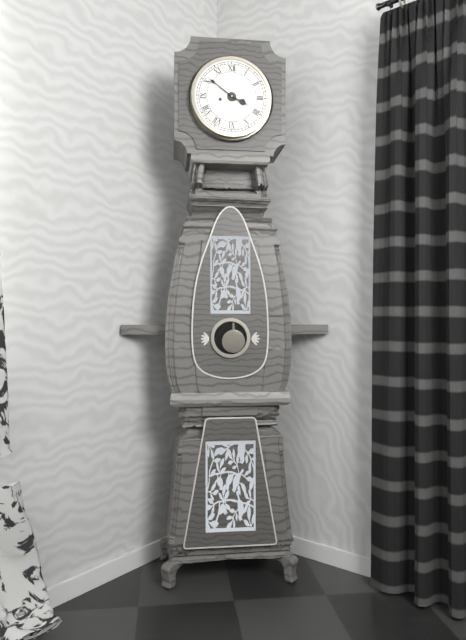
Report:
**3:51**
